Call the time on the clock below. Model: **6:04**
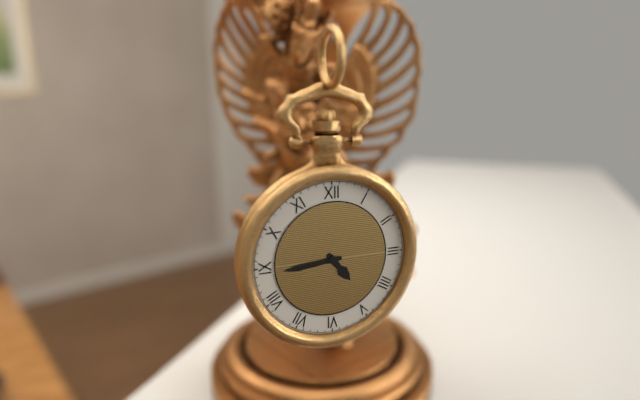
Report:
**4:44**
